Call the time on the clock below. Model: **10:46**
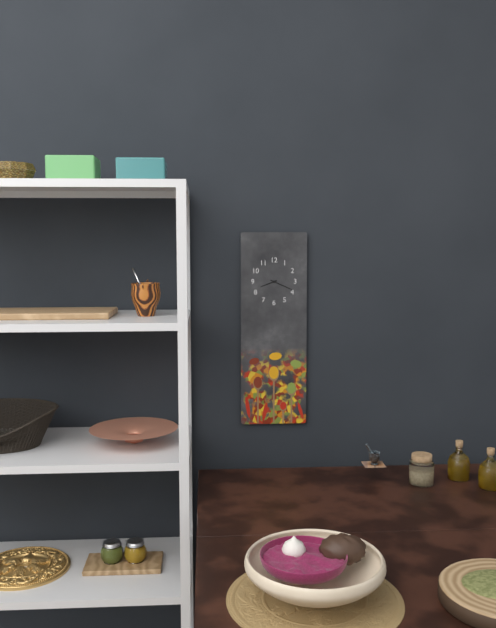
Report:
**8:19**
